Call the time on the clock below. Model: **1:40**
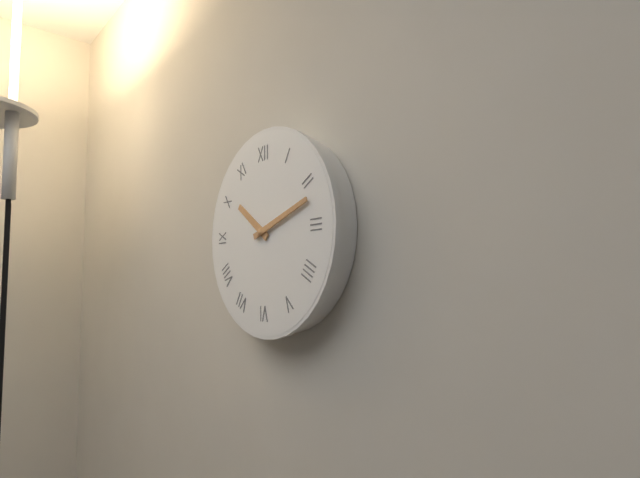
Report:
**10:12**
